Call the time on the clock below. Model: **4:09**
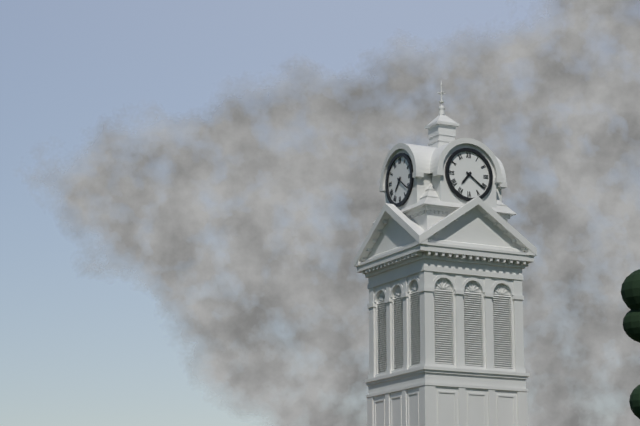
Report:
**7:21**
